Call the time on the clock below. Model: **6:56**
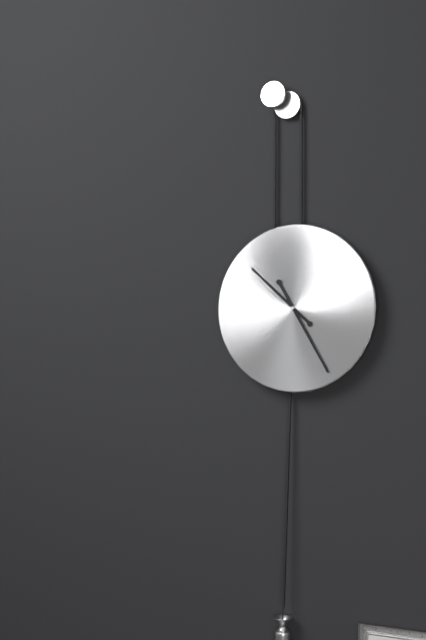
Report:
**10:25**
